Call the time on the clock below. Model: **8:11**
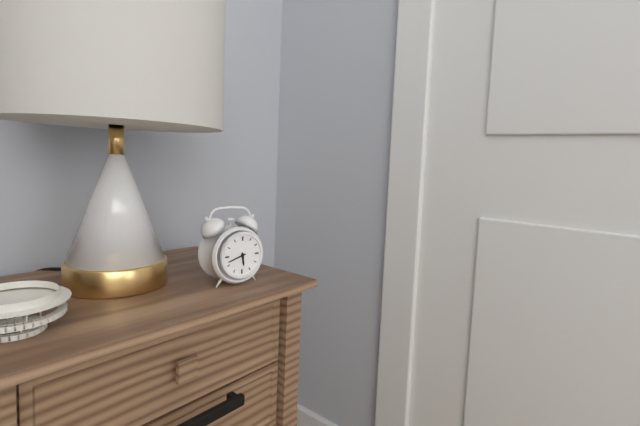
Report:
**5:42**
